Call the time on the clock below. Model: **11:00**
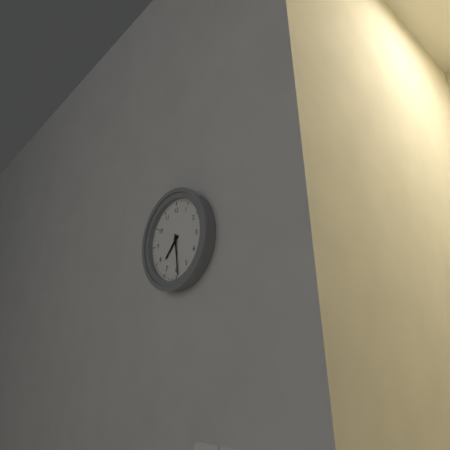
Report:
**7:29**
